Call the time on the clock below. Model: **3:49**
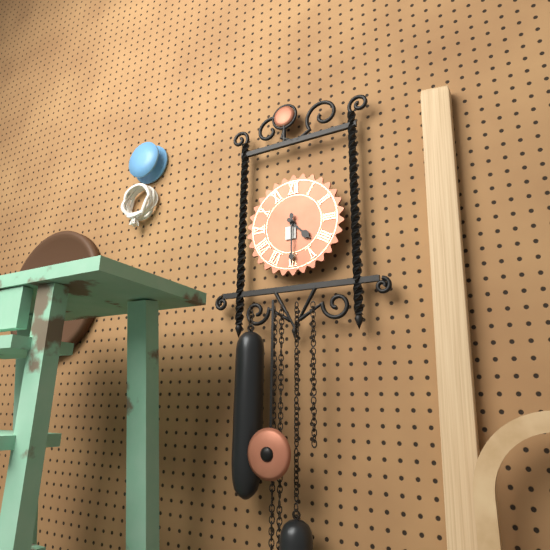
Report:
**4:30**
